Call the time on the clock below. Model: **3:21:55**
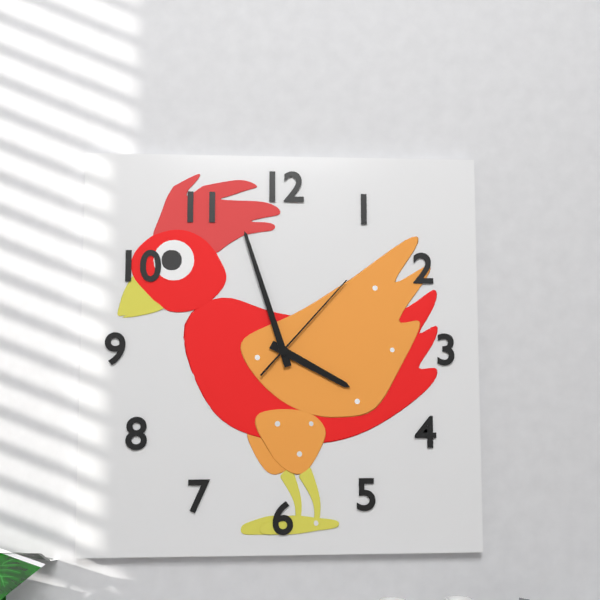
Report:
**3:57:07**
